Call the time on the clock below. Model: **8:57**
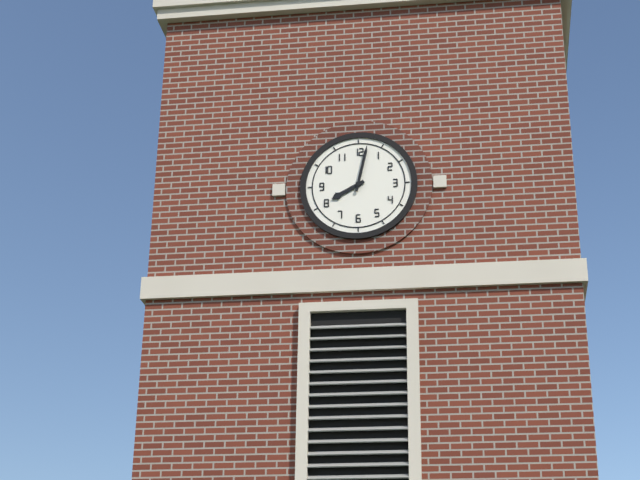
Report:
**8:02**
